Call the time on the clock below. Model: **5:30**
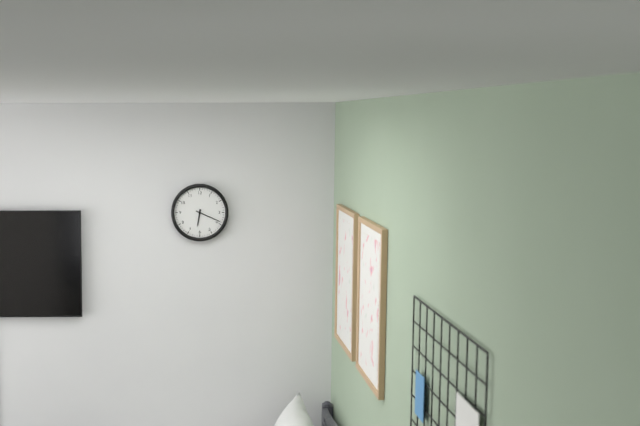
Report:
**6:19**
